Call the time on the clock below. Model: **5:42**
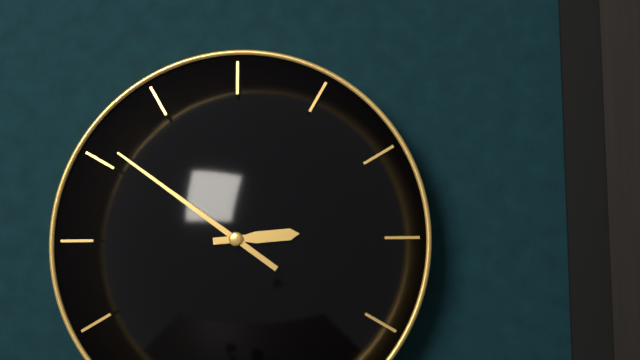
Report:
**2:51**
